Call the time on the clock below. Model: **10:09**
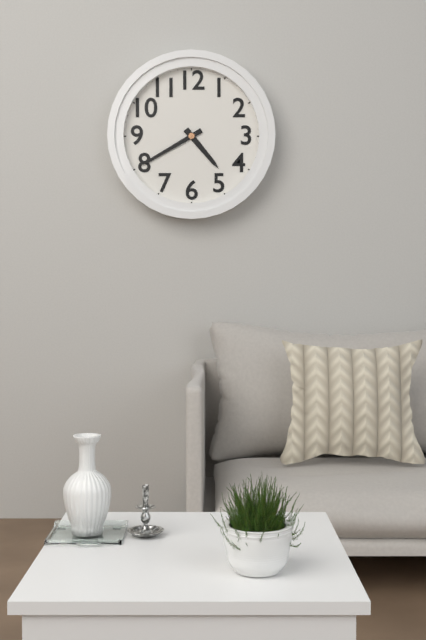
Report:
**4:40**
